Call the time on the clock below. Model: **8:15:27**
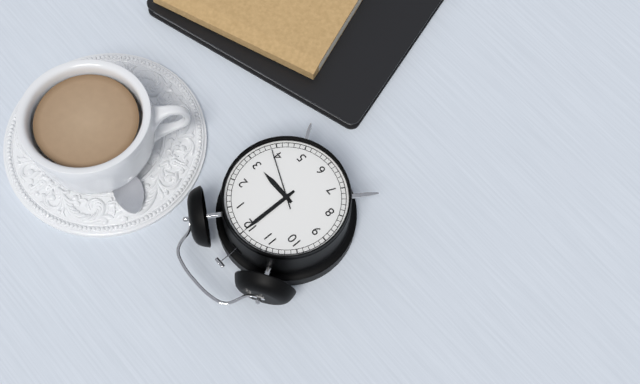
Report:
**3:00:19**
